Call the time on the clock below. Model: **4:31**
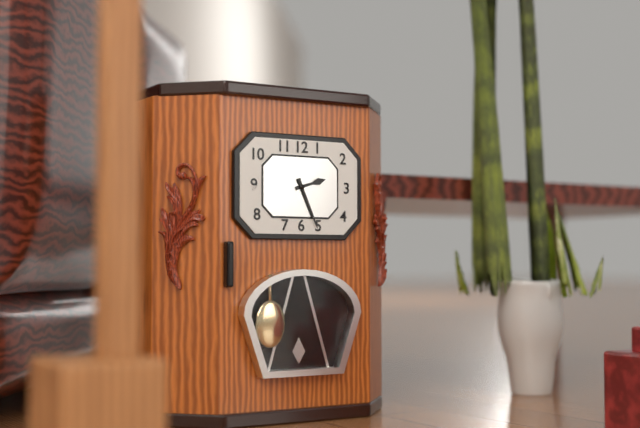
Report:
**2:26**
